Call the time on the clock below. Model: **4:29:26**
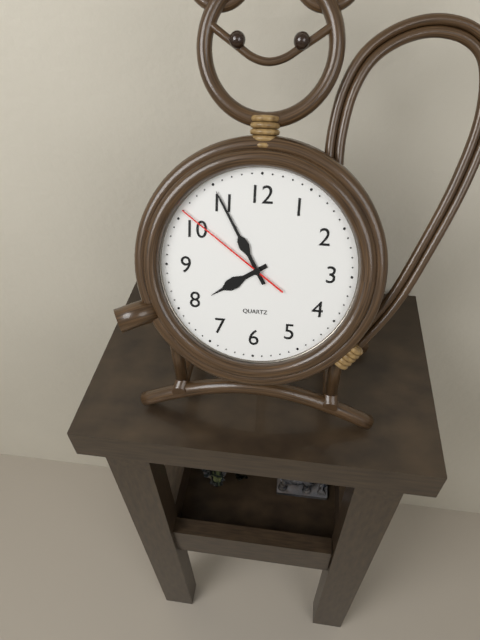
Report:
**7:55:51**
